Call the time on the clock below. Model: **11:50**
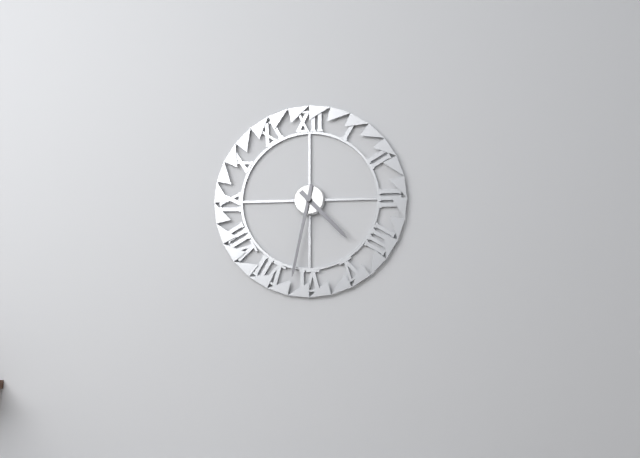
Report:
**4:32**
